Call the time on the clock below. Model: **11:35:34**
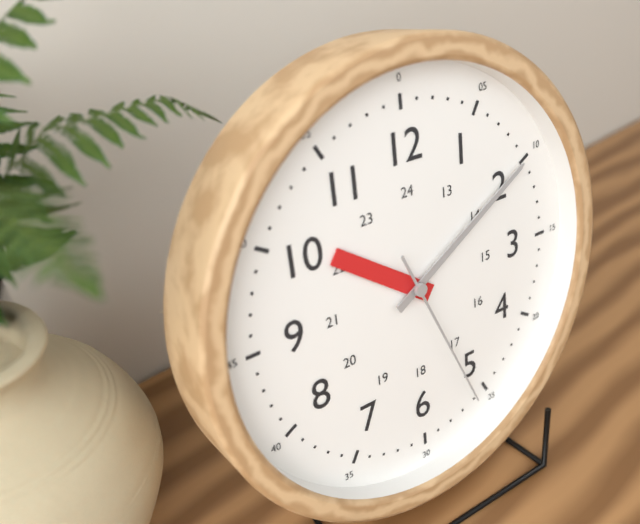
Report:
**10:10:26**
